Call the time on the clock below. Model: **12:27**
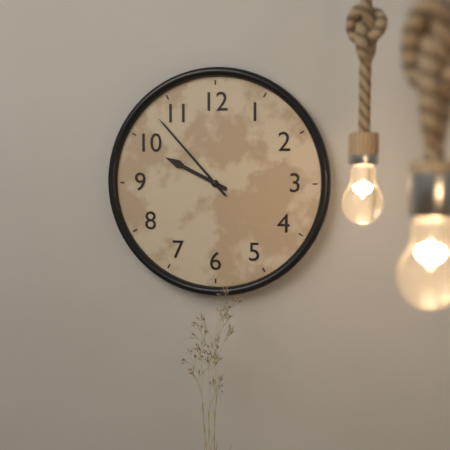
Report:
**9:53**
